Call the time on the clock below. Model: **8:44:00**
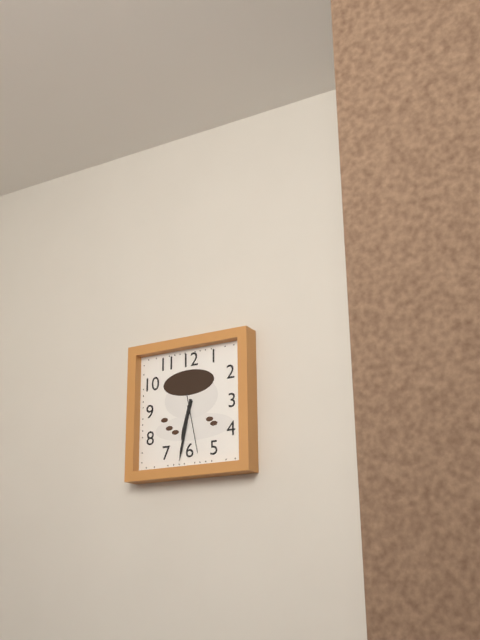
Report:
**6:32:28**
